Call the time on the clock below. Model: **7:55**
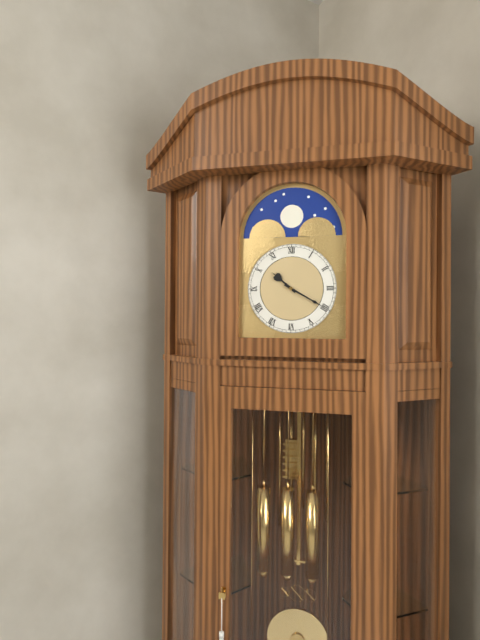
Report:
**10:20**
